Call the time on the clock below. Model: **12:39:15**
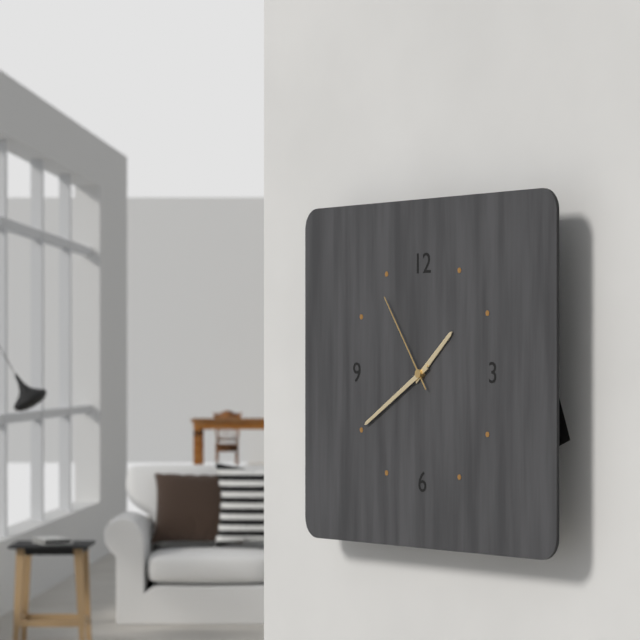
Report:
**1:40:54**
